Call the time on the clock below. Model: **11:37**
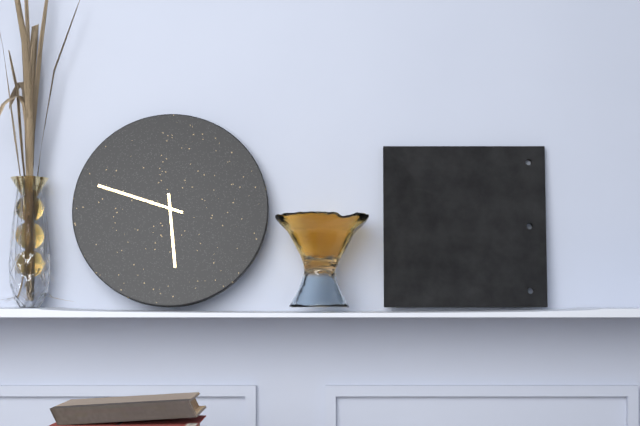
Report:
**5:48**
